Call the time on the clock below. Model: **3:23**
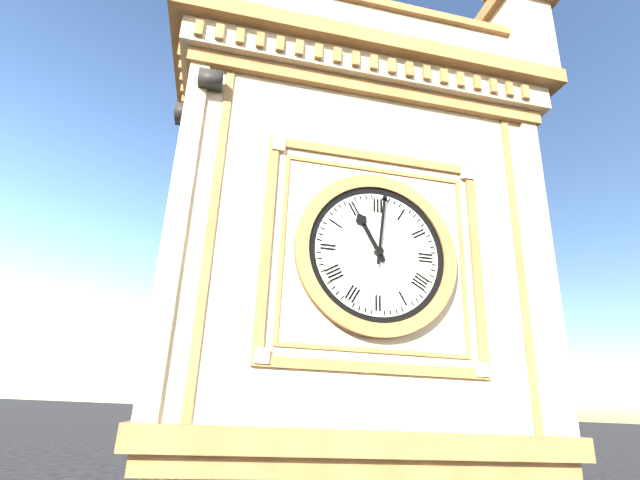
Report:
**11:01**
